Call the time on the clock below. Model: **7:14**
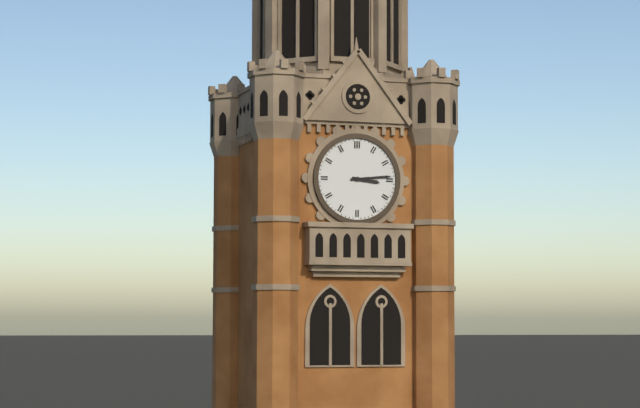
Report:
**3:14**
